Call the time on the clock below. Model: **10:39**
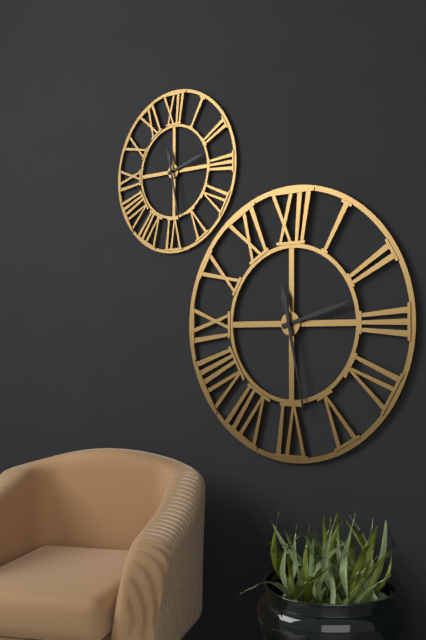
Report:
**2:28**
